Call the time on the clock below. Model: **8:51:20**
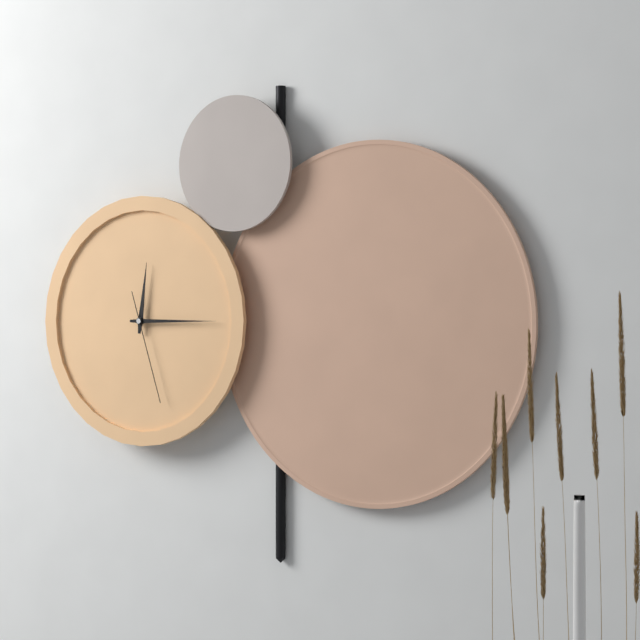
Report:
**12:15:27**
